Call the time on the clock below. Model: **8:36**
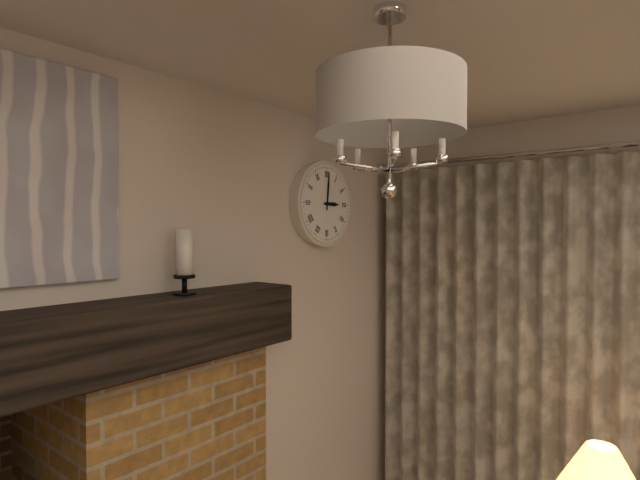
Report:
**3:01**
